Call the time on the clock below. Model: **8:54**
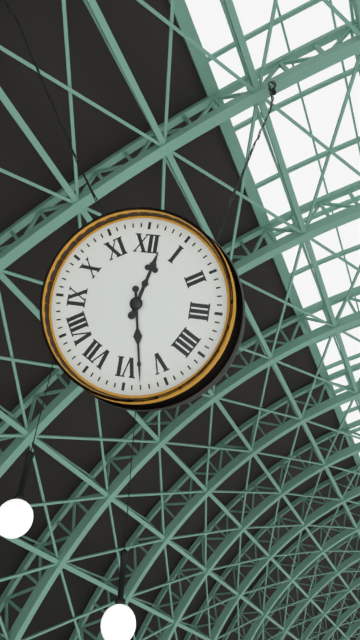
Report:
**12:28**
